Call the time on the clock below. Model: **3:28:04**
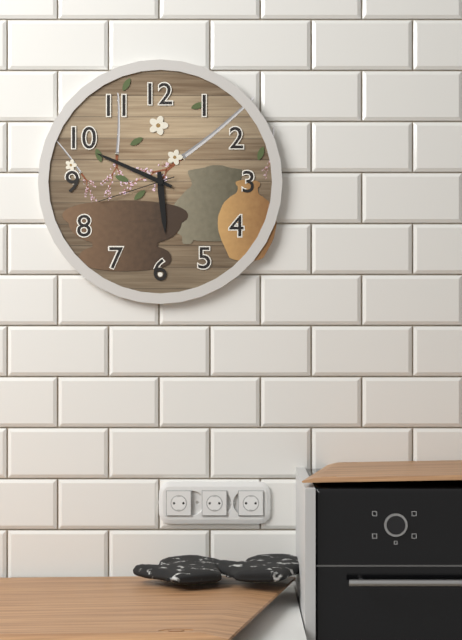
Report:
**5:49:42**
